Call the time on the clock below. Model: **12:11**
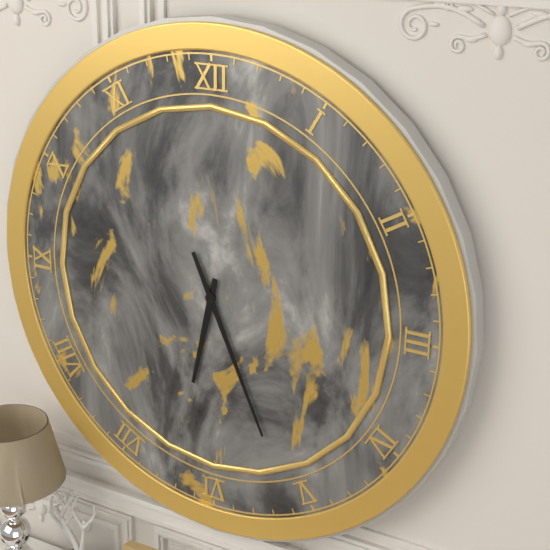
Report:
**6:26**
